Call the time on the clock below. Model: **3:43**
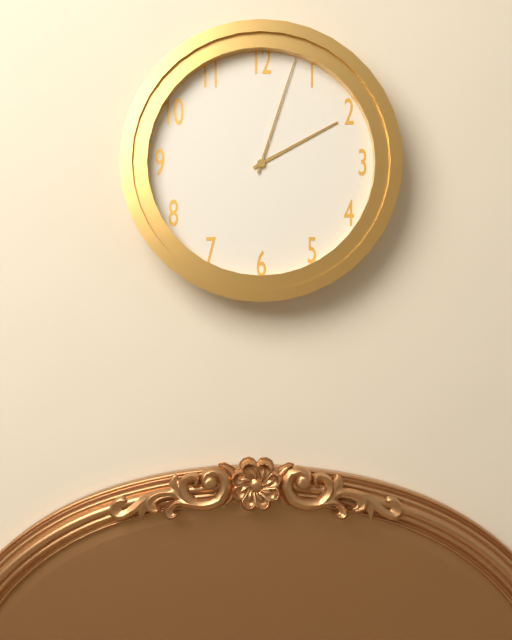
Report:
**2:03**
